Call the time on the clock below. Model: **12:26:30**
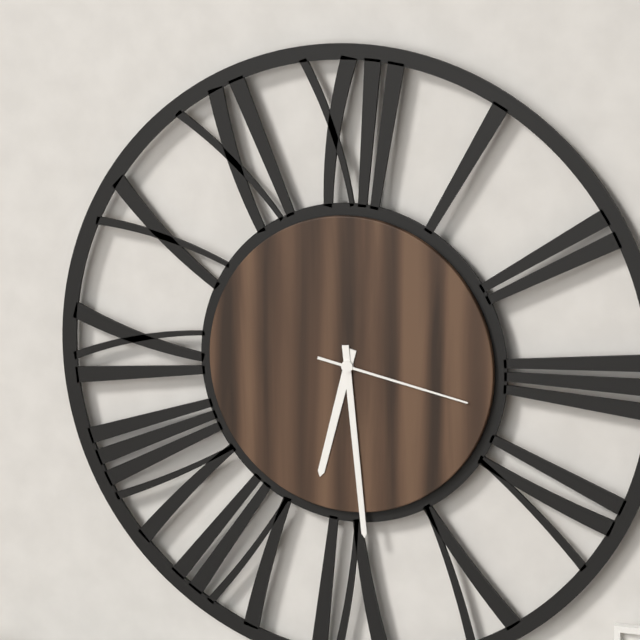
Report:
**6:29:17**
